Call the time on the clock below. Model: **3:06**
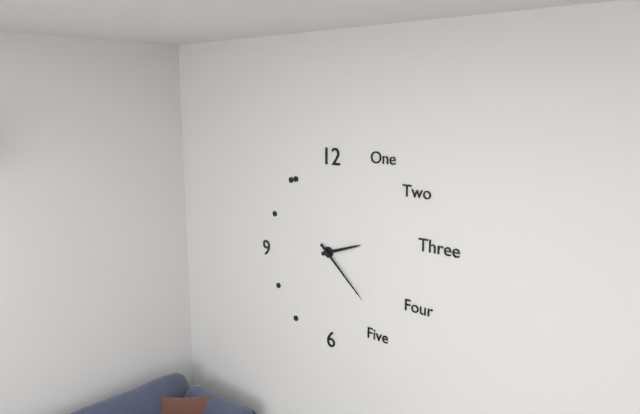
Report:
**2:22**
